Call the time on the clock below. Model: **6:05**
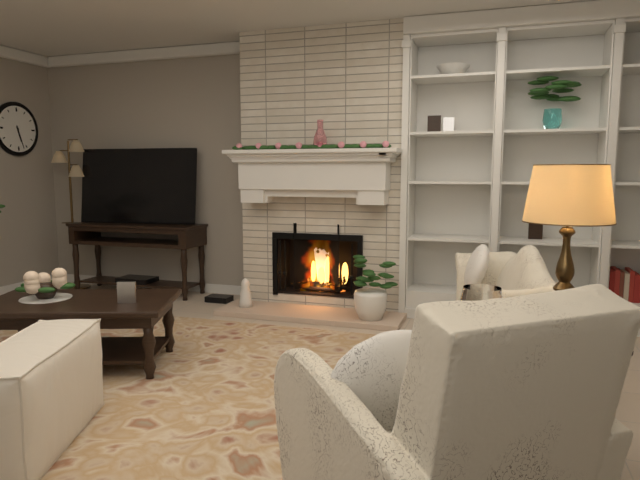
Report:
**5:27**
